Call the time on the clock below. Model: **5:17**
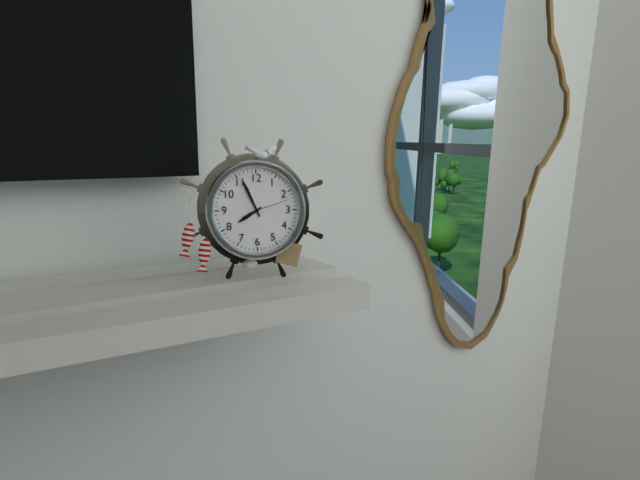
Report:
**7:56**
